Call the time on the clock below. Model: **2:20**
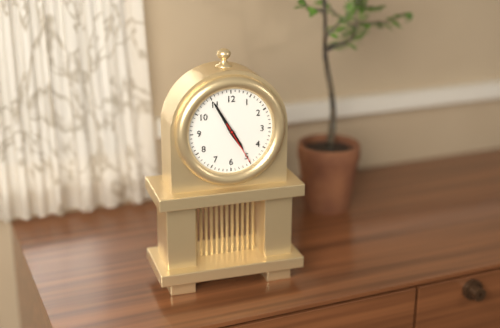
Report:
**4:55**
